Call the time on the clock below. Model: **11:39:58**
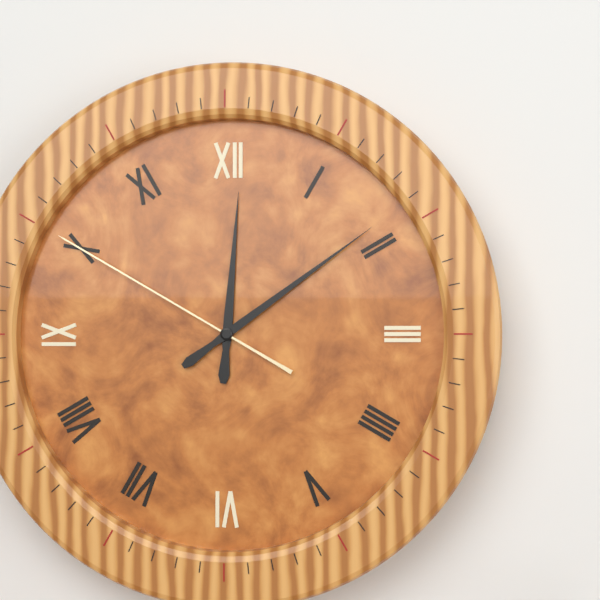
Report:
**12:09:50**
